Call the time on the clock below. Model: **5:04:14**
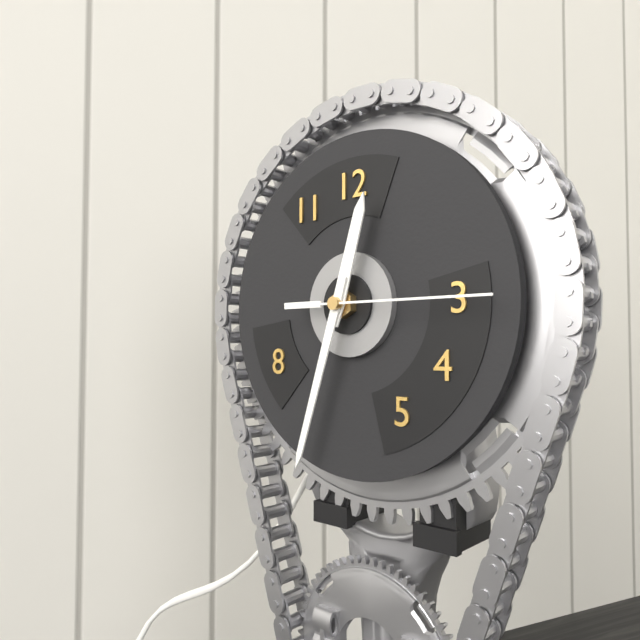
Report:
**12:33:15**
